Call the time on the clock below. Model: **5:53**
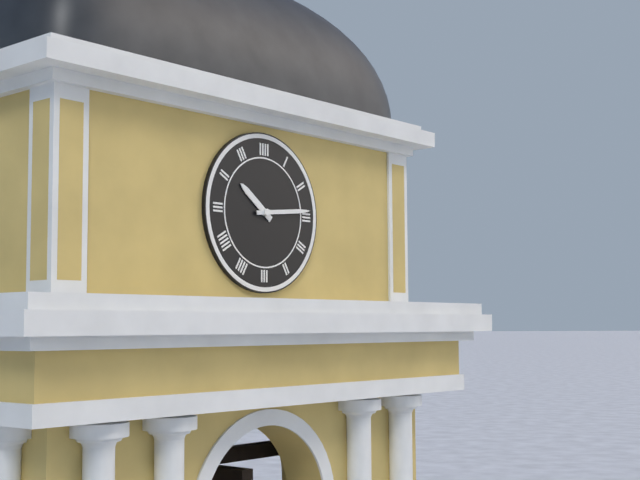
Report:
**10:14**
